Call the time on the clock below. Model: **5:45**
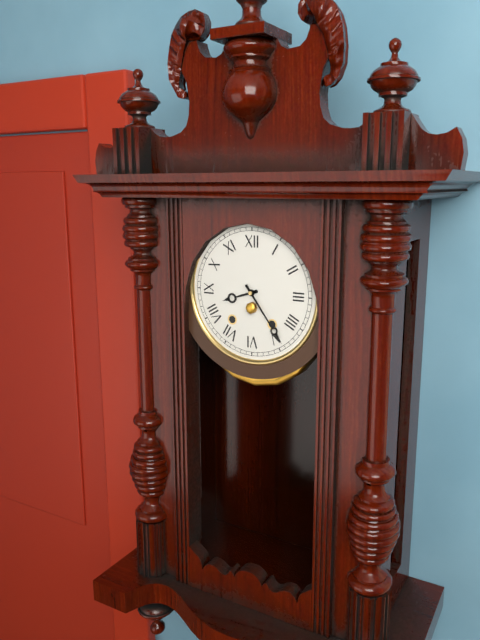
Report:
**8:24**
